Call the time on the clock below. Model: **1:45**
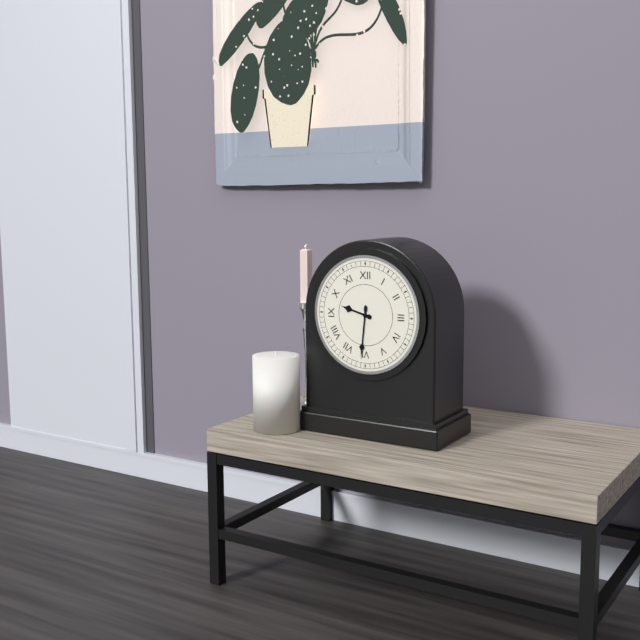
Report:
**9:31**
